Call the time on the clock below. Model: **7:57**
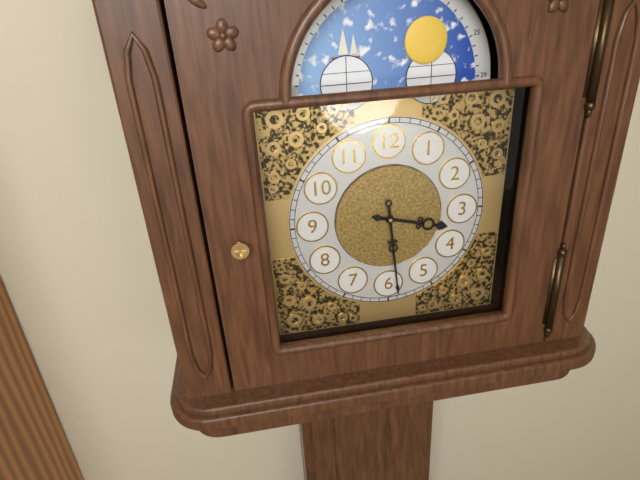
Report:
**3:29**
